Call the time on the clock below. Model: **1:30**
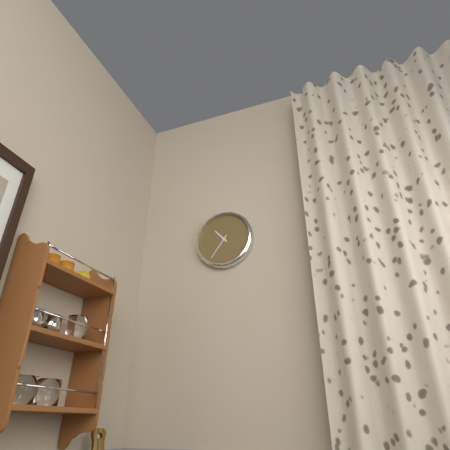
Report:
**10:36**
